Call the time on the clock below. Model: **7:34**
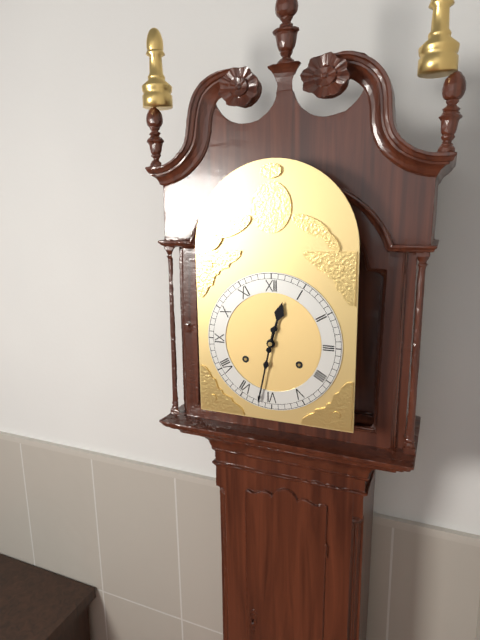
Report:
**12:32**
